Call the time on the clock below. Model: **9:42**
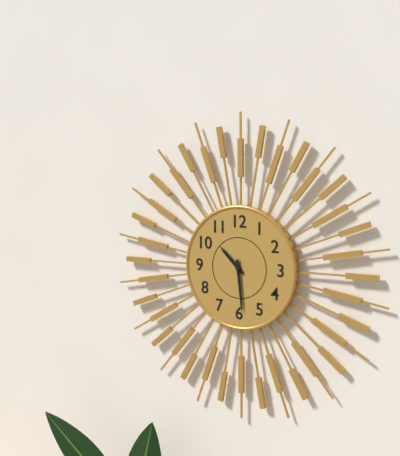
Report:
**10:29**
